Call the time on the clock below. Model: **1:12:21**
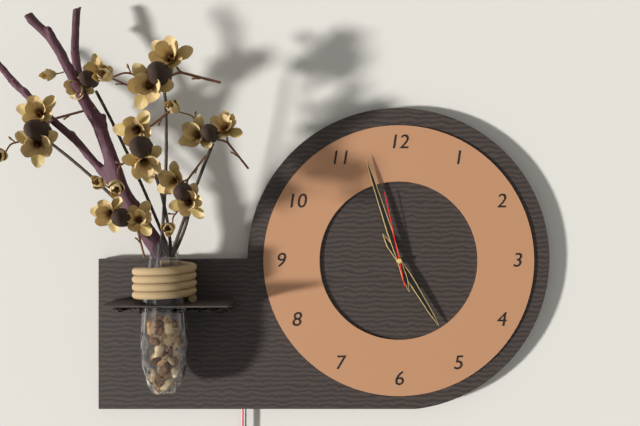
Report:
**4:57:58**
